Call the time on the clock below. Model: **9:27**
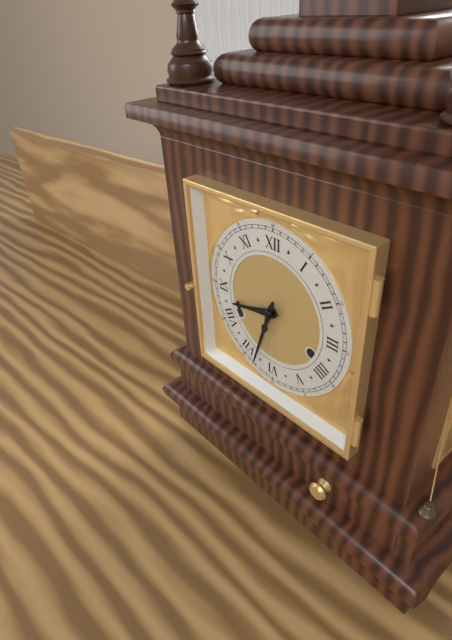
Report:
**8:33**
